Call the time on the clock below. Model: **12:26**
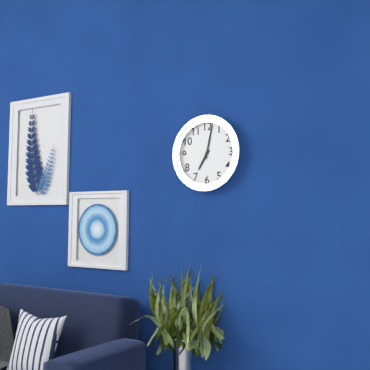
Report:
**7:02**
